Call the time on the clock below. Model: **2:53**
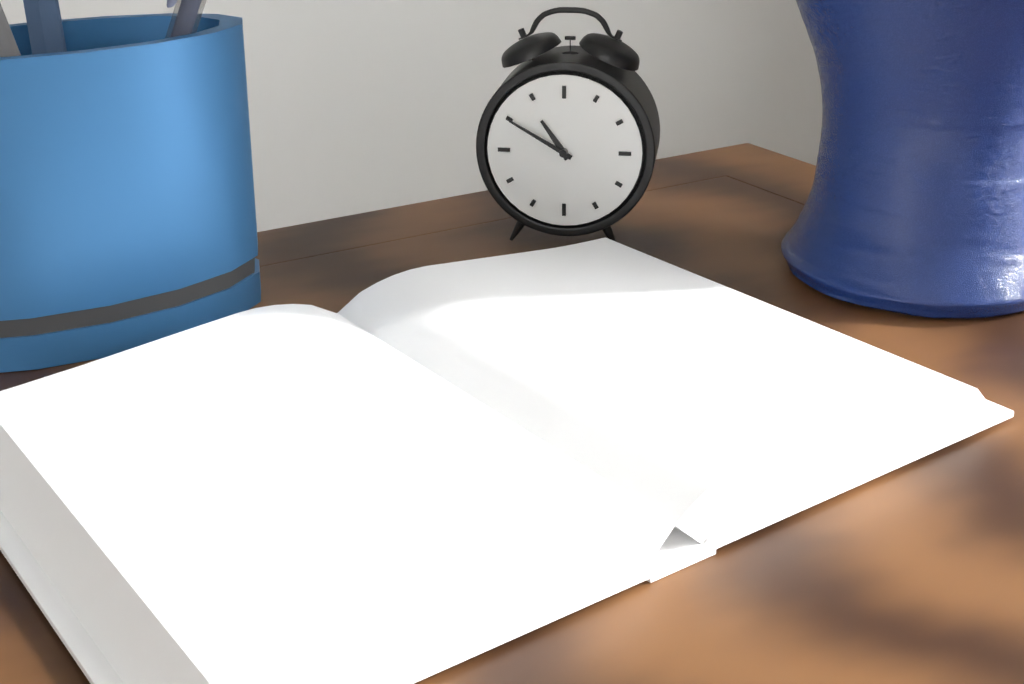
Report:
**10:50**
